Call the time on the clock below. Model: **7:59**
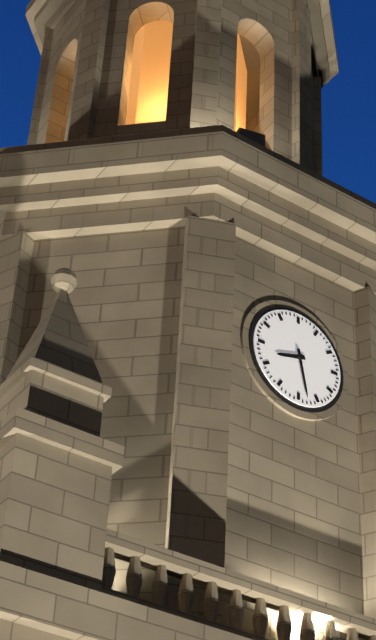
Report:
**8:28**
